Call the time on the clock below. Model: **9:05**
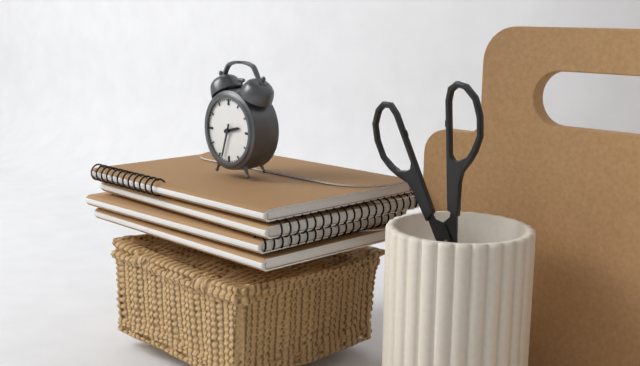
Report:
**2:33**
